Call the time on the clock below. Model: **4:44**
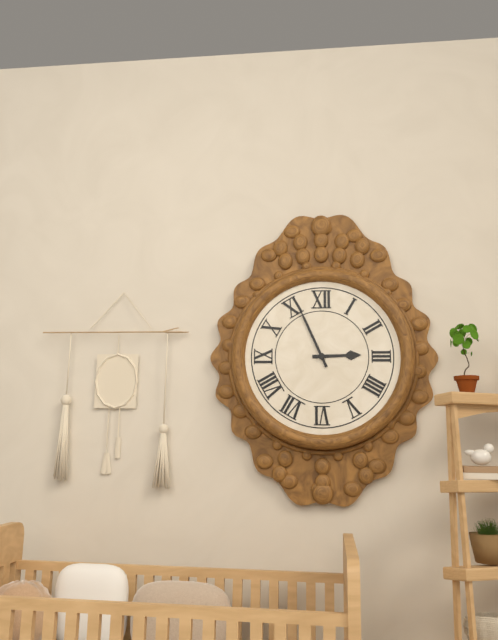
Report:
**2:56**
